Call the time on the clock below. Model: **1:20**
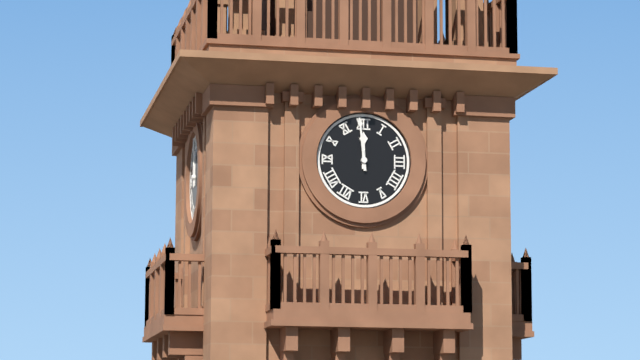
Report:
**11:59**
